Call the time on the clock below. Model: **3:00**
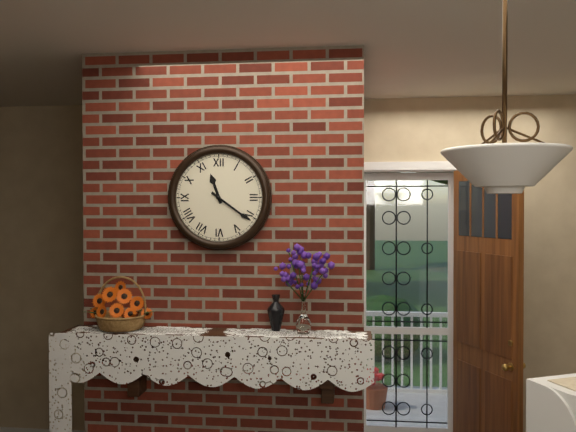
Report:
**11:21**
